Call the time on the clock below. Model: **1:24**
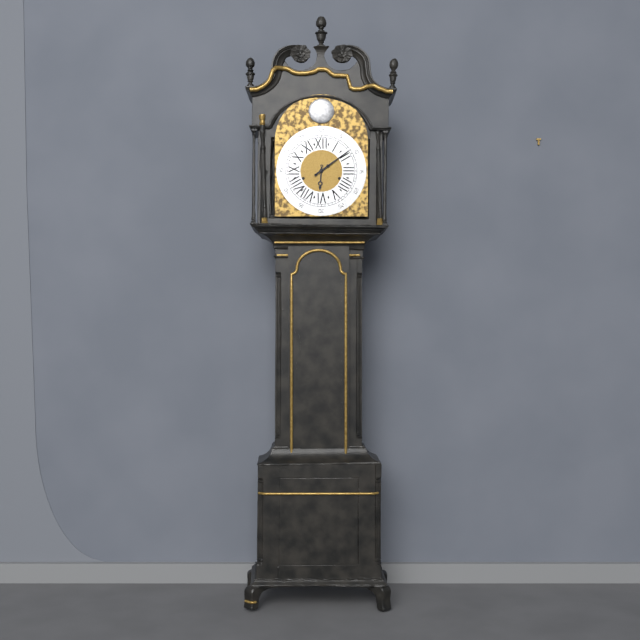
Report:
**6:09**
